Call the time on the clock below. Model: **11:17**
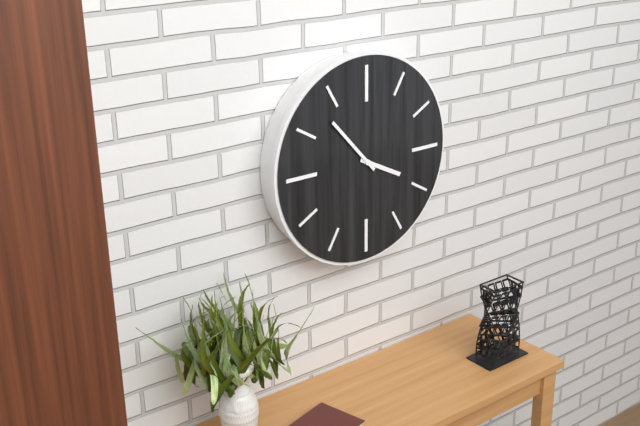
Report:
**3:53**
